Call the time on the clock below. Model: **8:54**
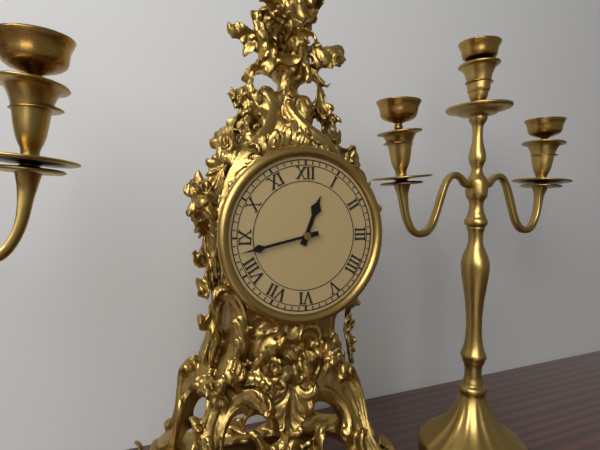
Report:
**12:43**
